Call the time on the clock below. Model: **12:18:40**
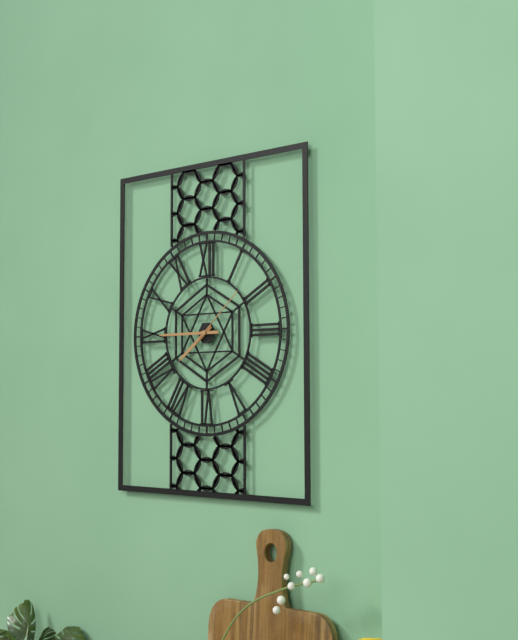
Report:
**7:45:08**
